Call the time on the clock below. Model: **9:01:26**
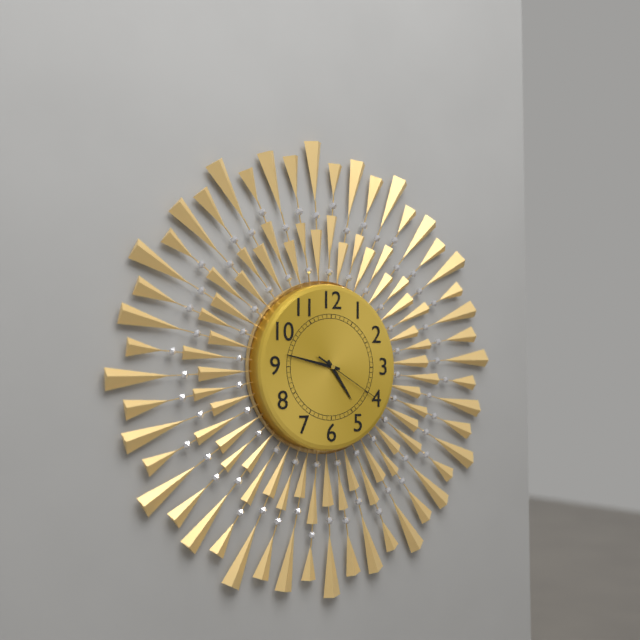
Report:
**4:47:20**
